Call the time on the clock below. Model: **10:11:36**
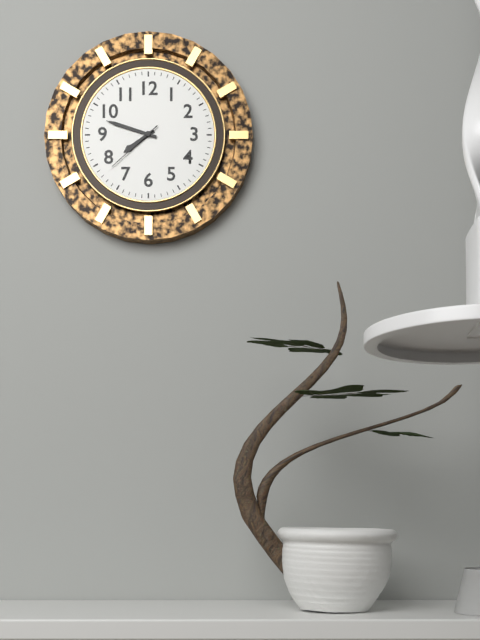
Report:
**7:48:38**
